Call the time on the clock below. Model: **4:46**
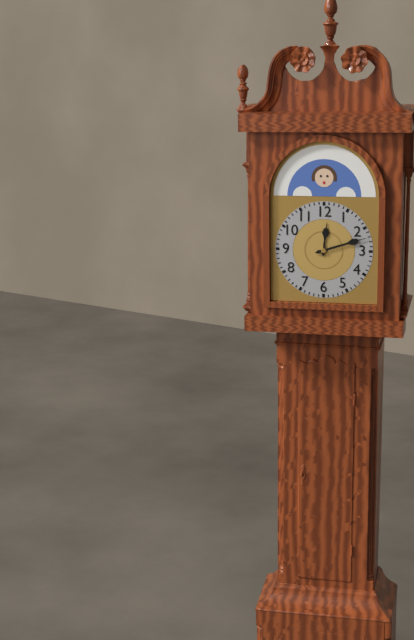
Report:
**12:12**
